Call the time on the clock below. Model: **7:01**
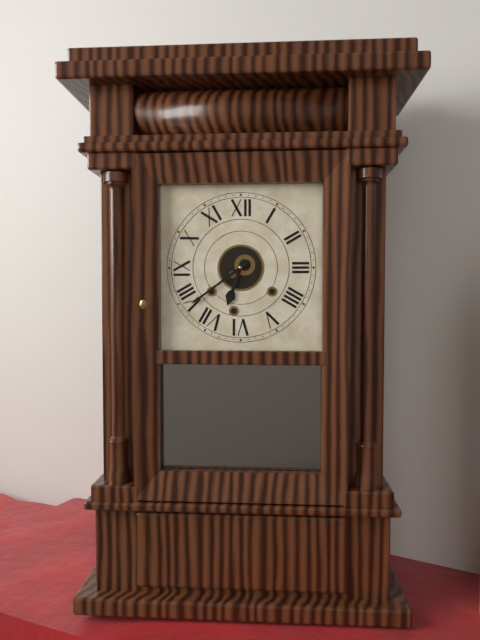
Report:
**6:39**
